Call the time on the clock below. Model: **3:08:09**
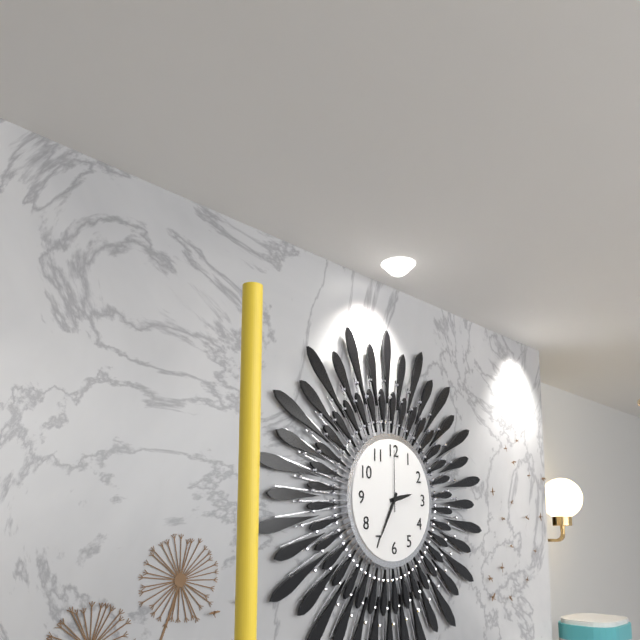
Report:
**2:35:00**
